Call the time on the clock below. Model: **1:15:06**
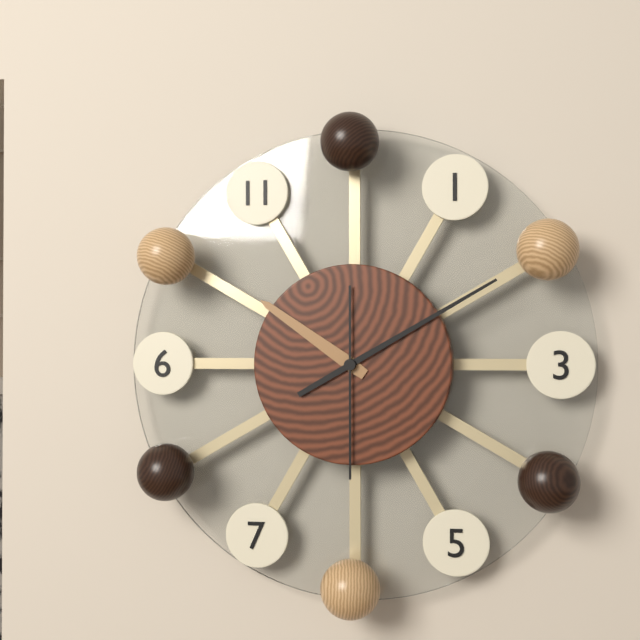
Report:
**10:10:30**
